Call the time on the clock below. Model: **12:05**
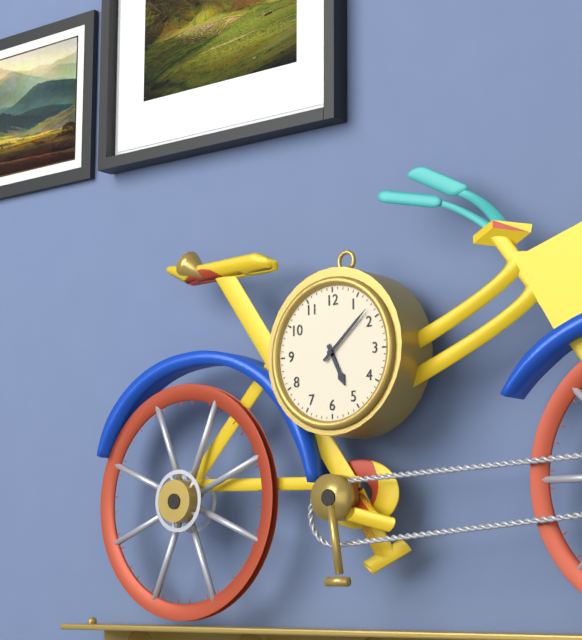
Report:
**5:08**
